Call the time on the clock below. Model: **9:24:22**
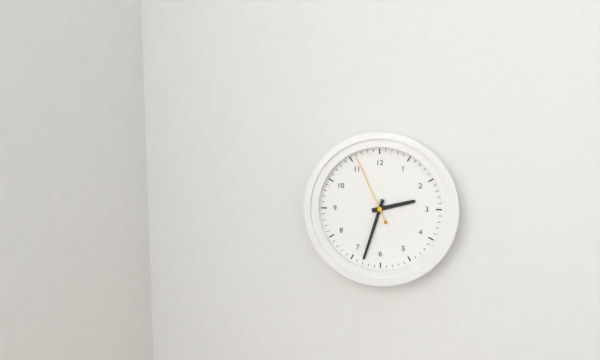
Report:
**2:33:56**
